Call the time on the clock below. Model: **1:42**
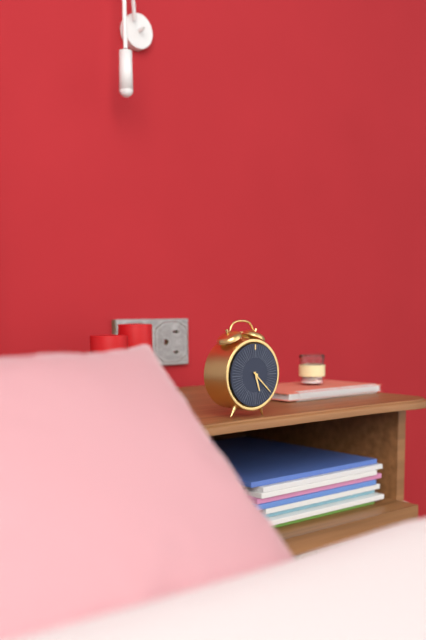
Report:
**5:22**
